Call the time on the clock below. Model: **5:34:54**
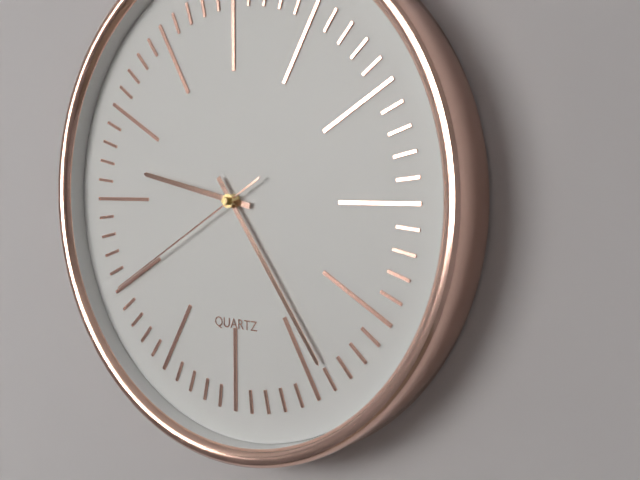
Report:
**9:24:40**
